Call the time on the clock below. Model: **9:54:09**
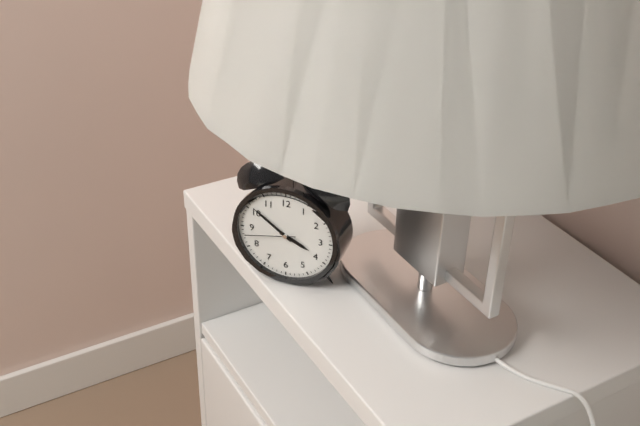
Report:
**3:51:43**
